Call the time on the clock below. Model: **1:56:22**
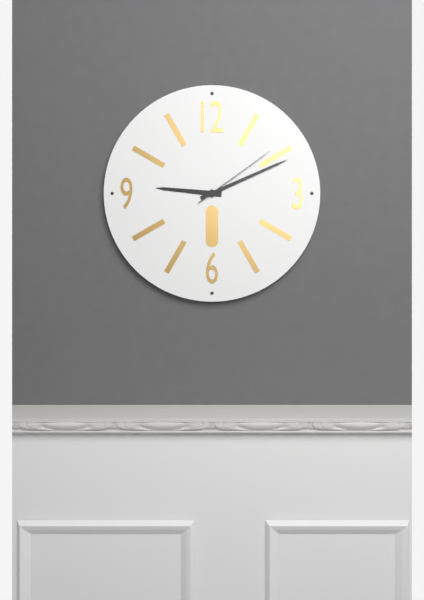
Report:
**9:11:09**
